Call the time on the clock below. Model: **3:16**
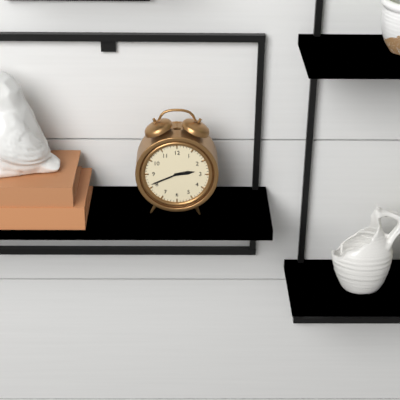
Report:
**2:41**
